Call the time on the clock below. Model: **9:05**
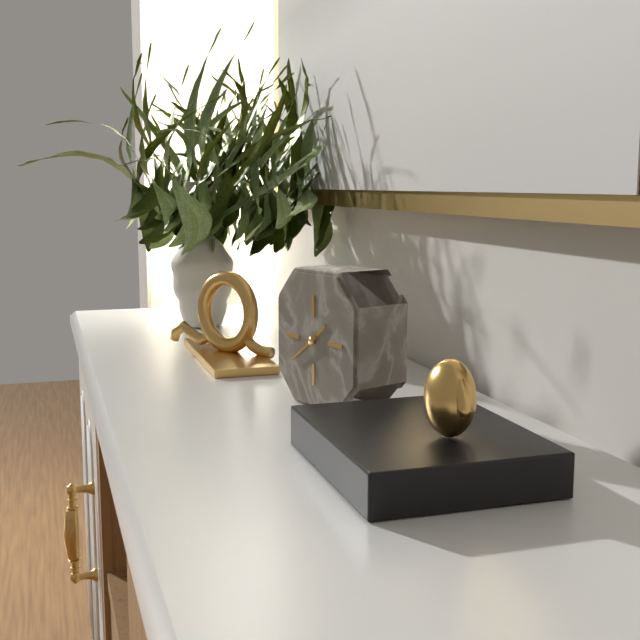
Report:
**1:39**
